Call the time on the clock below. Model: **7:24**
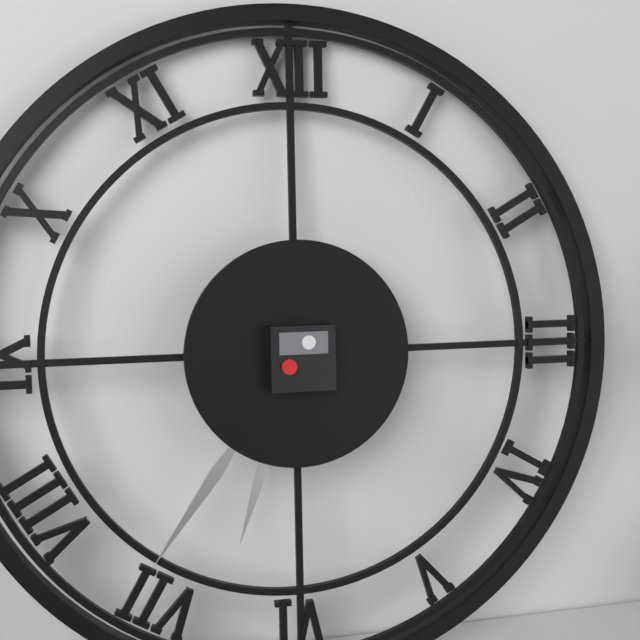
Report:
**6:36**
